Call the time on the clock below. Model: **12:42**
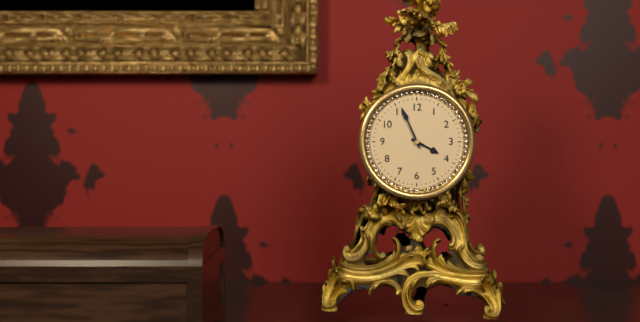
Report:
**3:56**
